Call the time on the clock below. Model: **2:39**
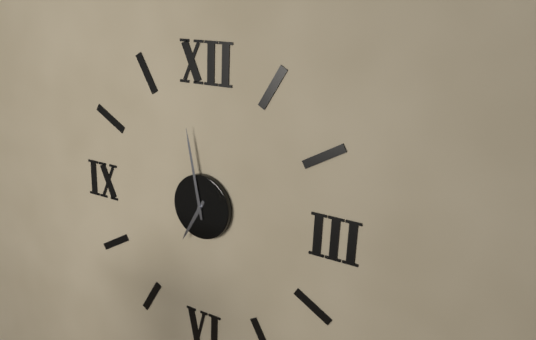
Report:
**6:58**
